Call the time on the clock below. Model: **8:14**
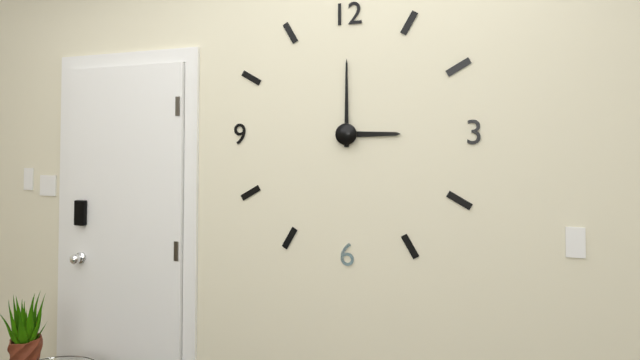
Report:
**3:00**
